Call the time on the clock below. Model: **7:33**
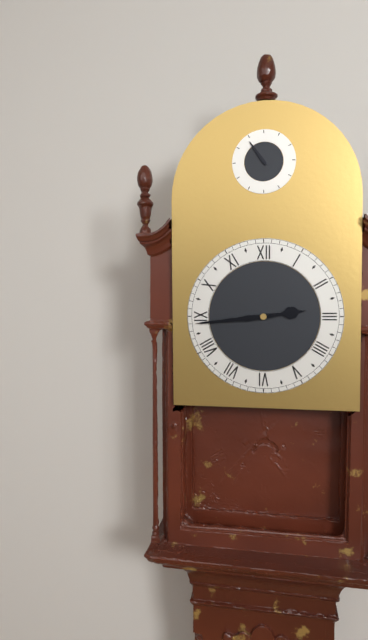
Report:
**2:44**
